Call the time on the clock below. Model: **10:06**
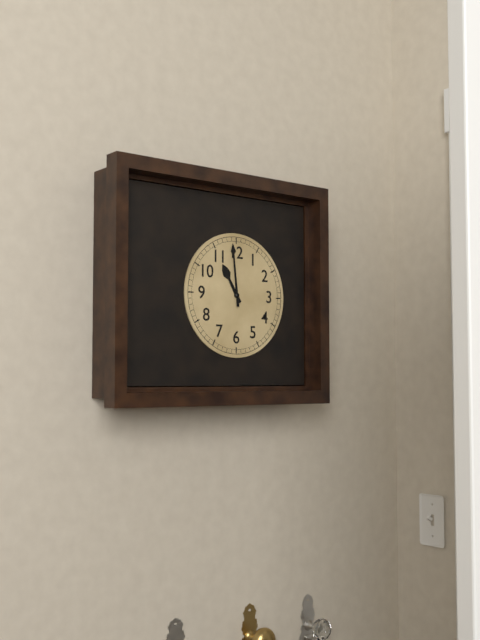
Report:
**10:59**
